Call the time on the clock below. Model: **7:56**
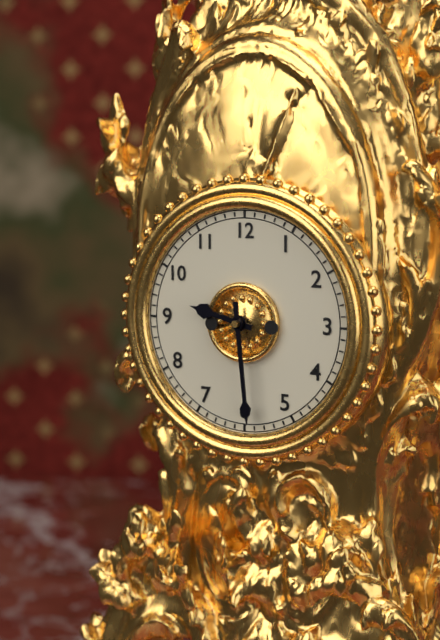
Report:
**9:29**
